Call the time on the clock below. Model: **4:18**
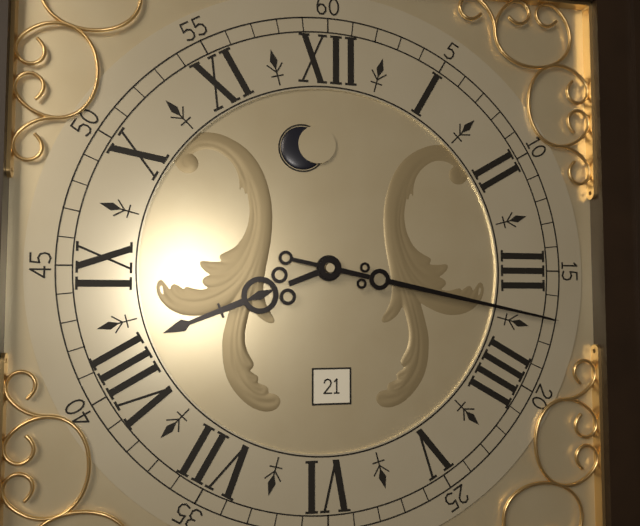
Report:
**8:17**
